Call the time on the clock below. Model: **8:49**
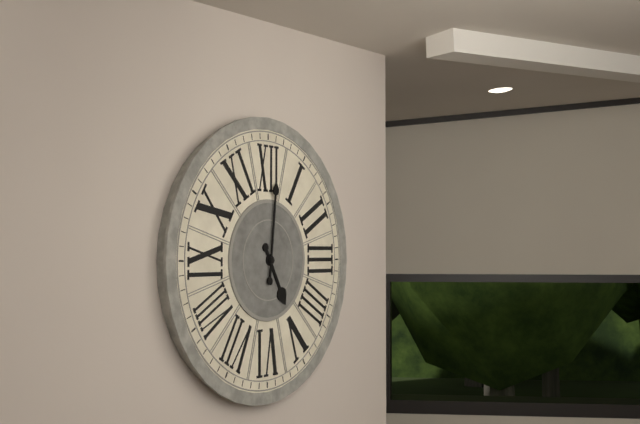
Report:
**5:01**
